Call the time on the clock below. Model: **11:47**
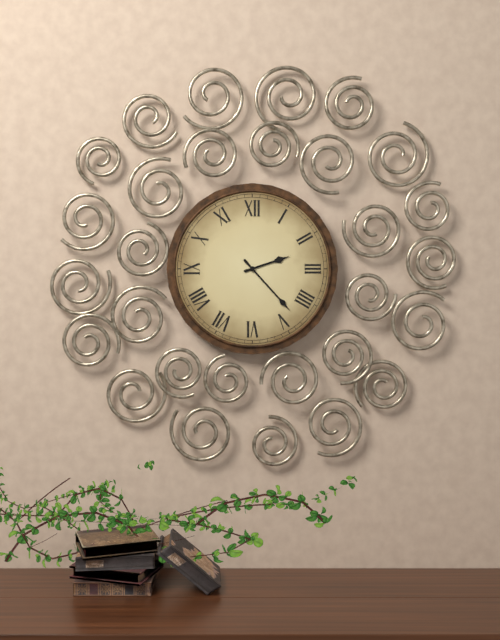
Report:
**2:23**
